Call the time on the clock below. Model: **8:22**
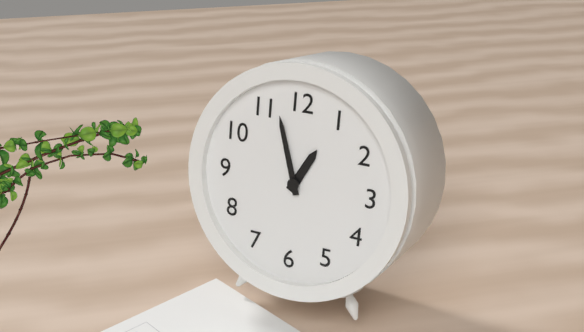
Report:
**12:57**
